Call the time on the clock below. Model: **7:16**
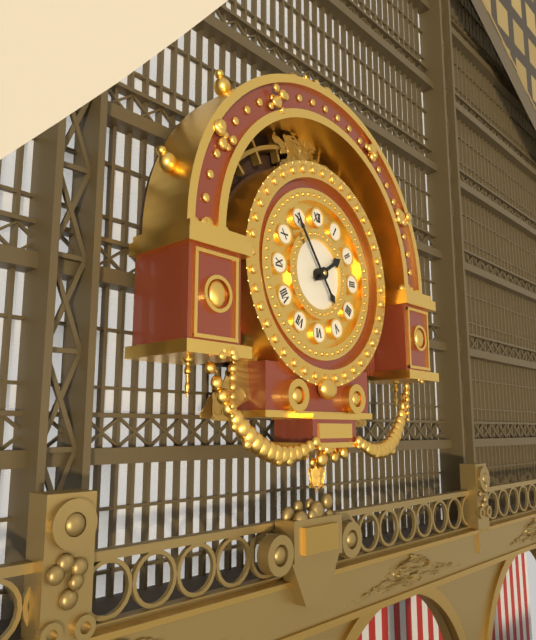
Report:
**1:54**
